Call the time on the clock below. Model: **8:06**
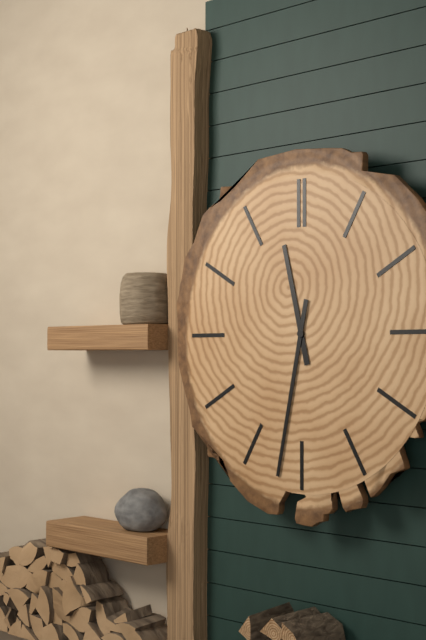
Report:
**11:32**
